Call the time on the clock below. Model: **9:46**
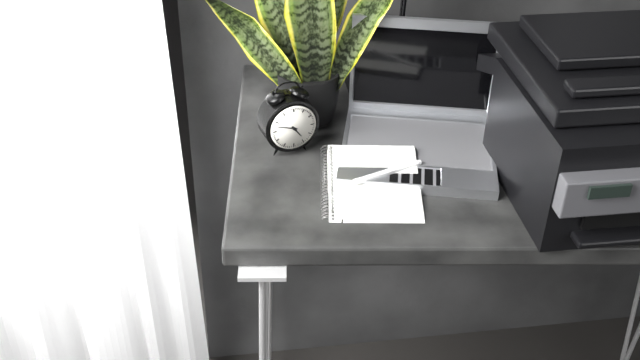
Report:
**4:48**
